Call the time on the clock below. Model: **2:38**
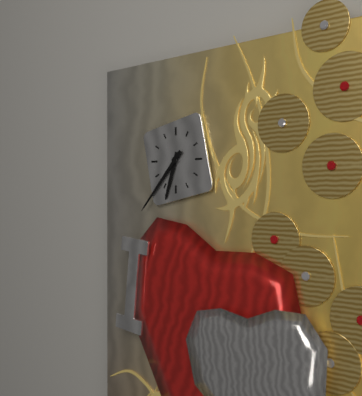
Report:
**6:37**
